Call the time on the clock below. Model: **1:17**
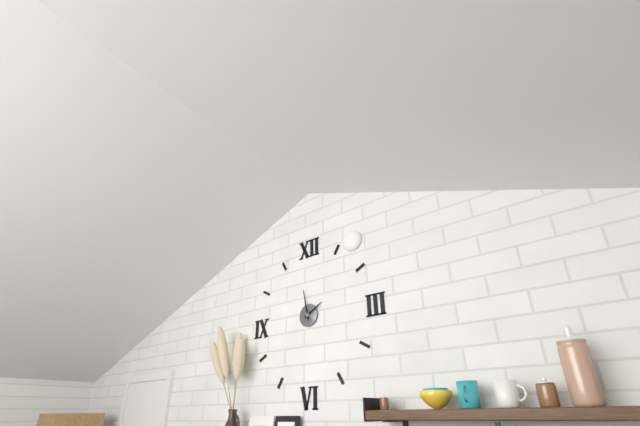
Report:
**1:58**
